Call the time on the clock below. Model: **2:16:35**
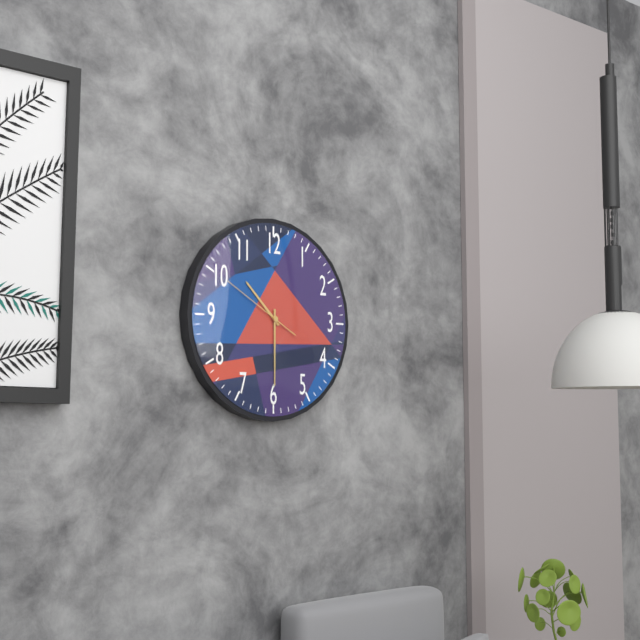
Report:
**10:30:50**
